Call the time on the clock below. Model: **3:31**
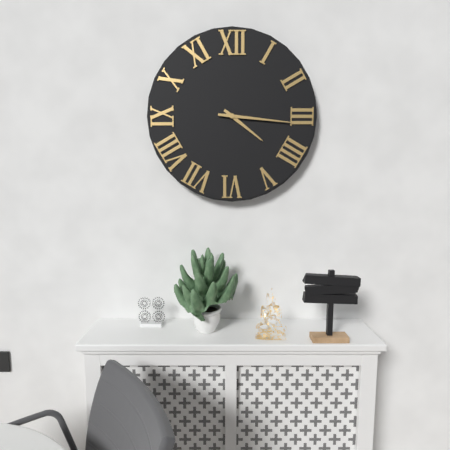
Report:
**4:16**
